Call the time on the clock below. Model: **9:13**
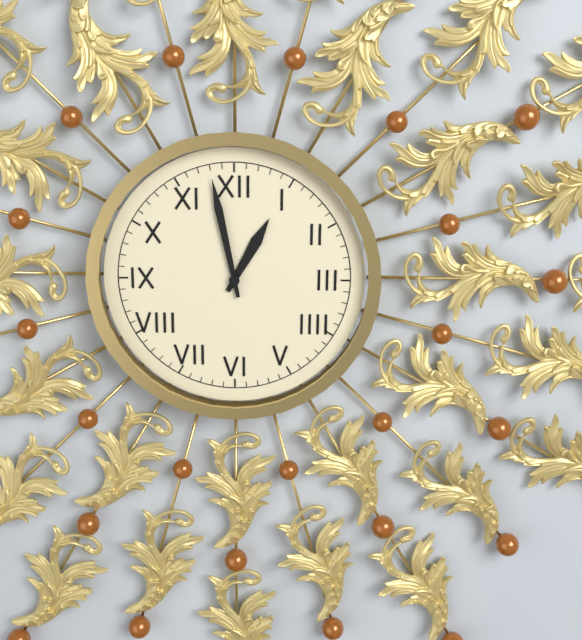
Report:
**12:58**
